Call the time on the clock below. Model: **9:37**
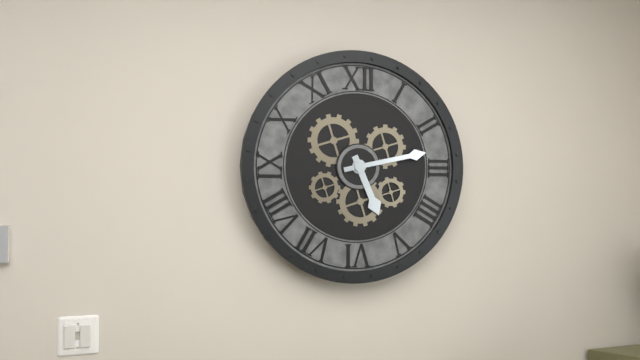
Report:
**5:13**
